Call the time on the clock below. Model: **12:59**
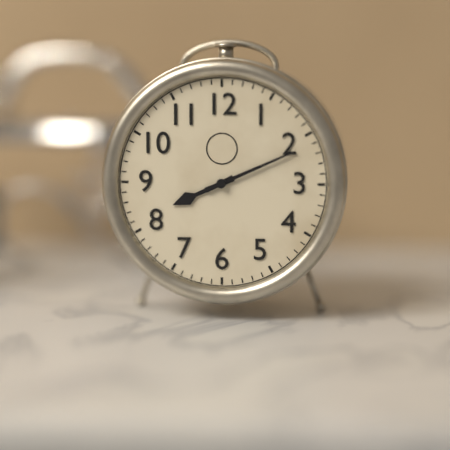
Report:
**8:11**
